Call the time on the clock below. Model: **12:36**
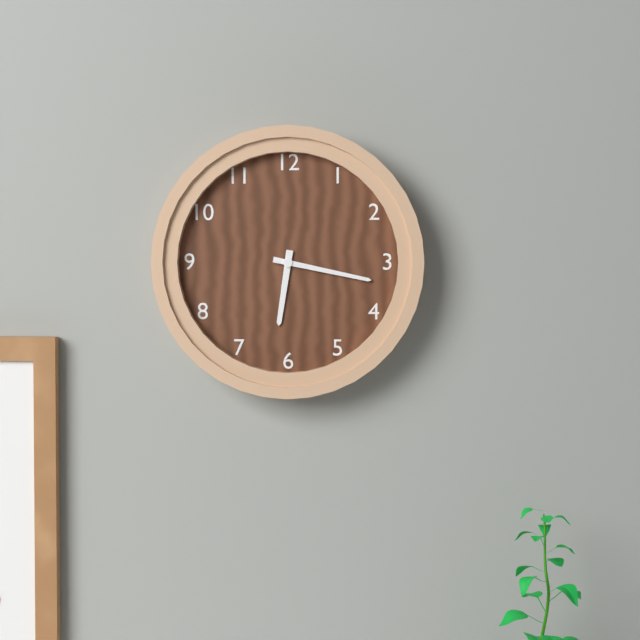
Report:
**6:17**
